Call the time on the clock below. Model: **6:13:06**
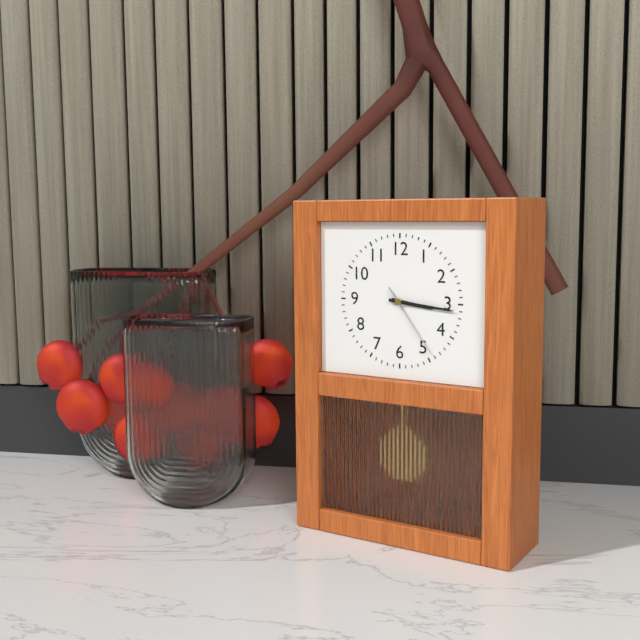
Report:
**3:16:24**
